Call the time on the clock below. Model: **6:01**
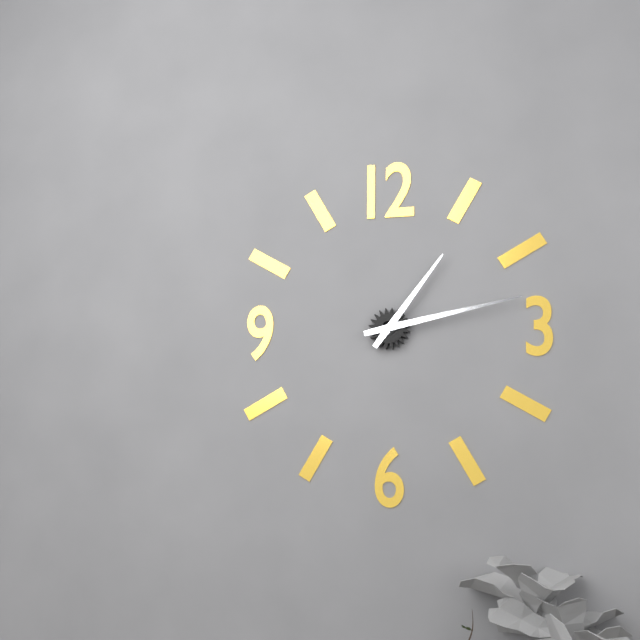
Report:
**1:13**
